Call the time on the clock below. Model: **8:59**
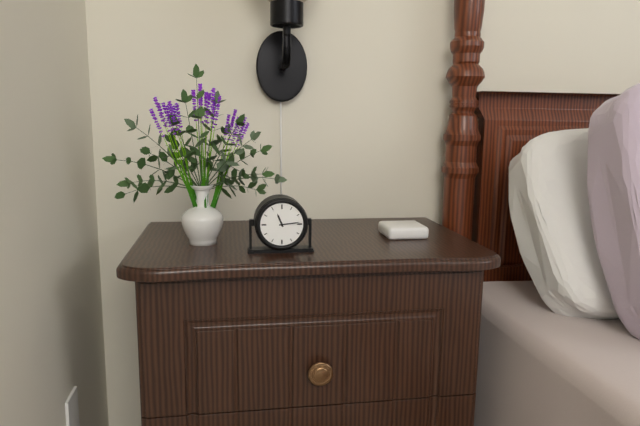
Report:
**11:14**
